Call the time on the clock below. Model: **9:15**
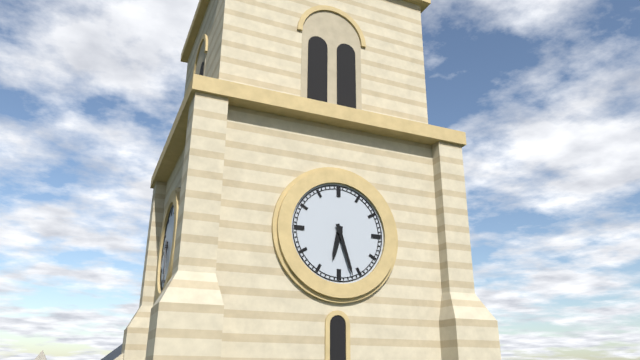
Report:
**6:27**
